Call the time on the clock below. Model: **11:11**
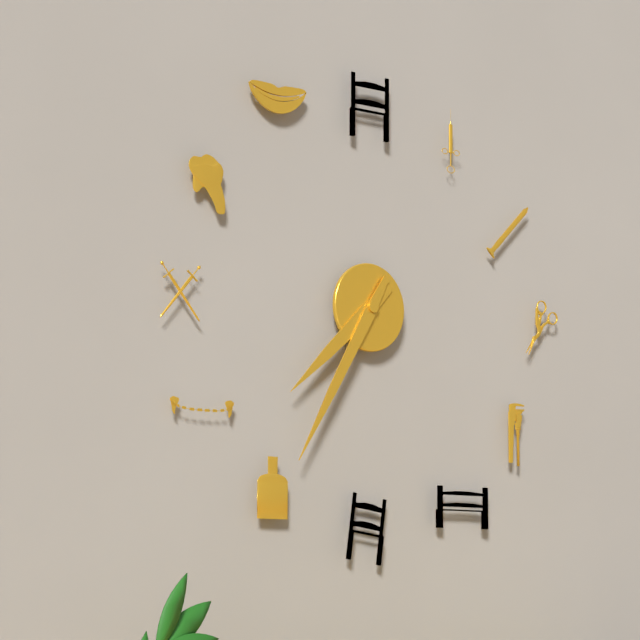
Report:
**7:35**
